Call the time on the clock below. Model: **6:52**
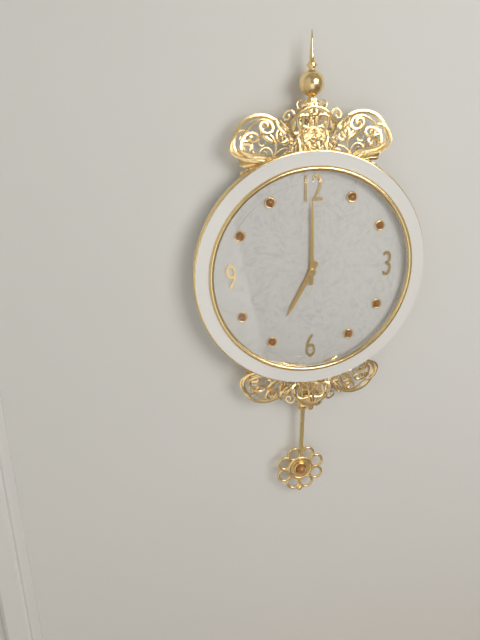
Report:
**7:00**
